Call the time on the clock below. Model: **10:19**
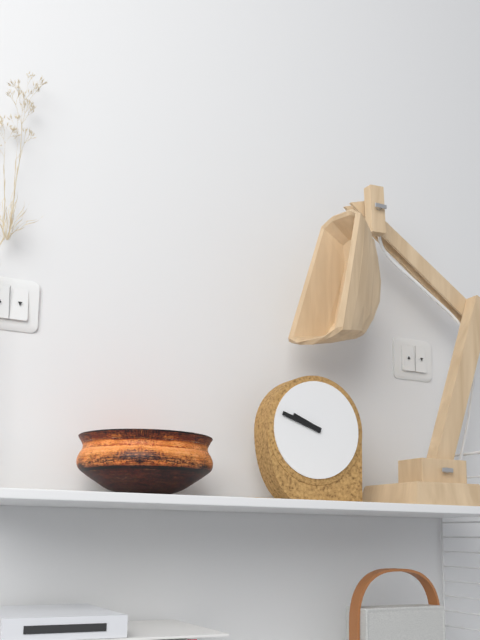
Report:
**9:48**
